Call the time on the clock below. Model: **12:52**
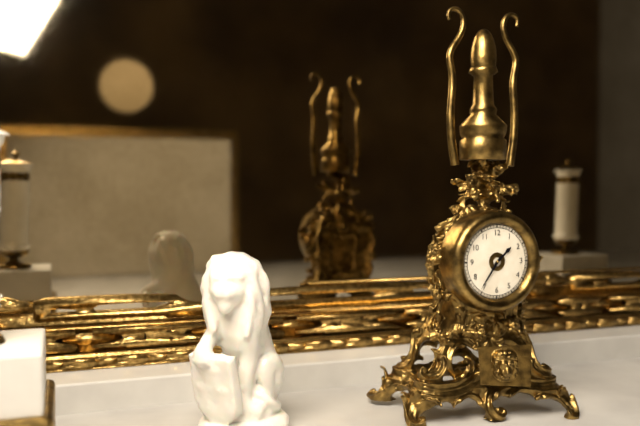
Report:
**1:36**
